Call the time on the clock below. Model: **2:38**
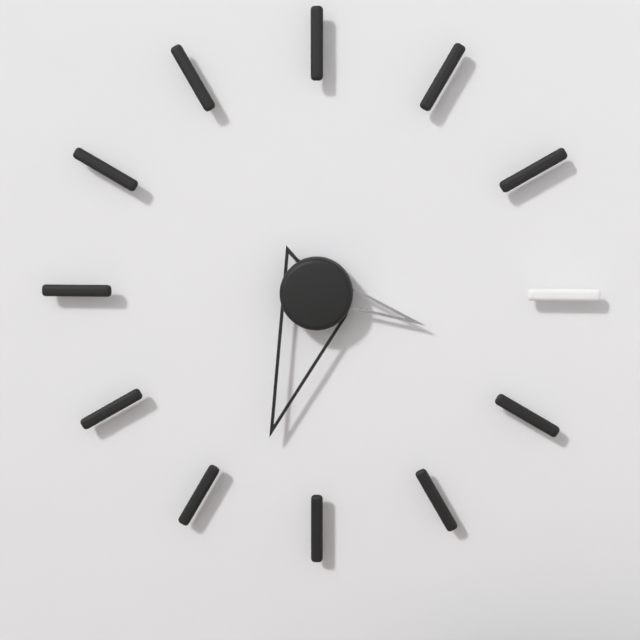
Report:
**3:33**
